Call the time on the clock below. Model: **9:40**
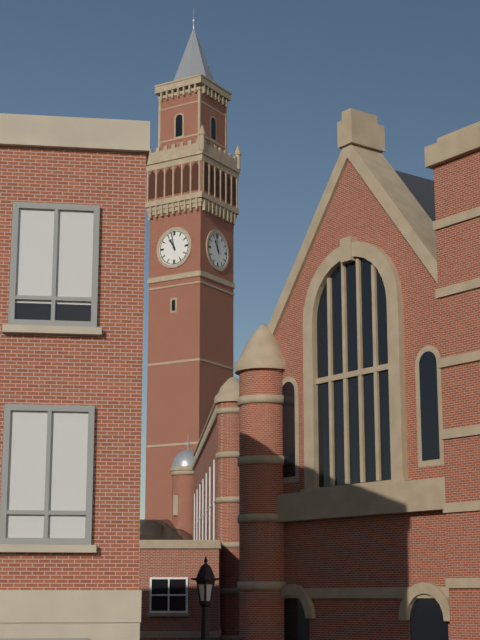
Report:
**10:58**
